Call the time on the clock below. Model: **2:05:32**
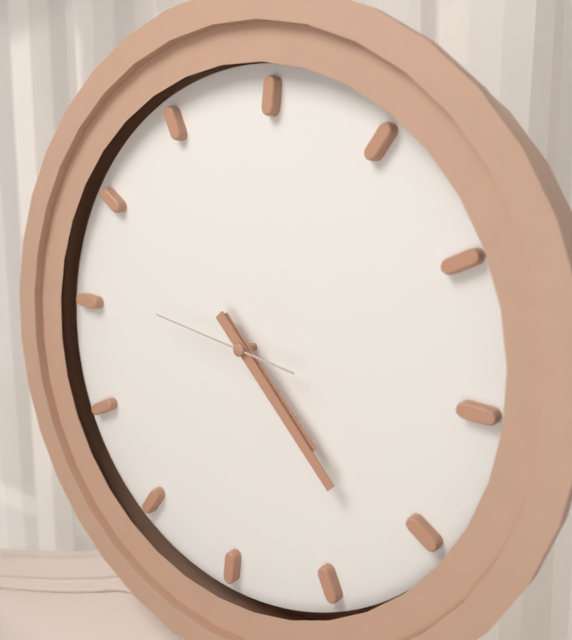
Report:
**4:22:46**
